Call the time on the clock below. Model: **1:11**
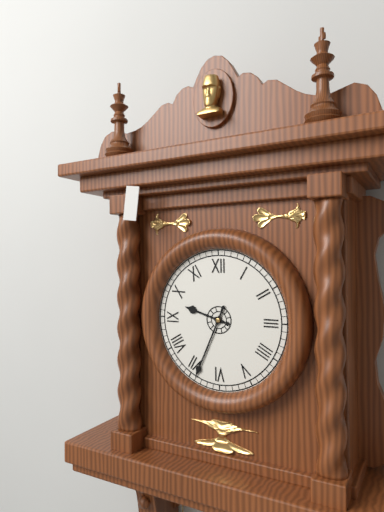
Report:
**9:34**
